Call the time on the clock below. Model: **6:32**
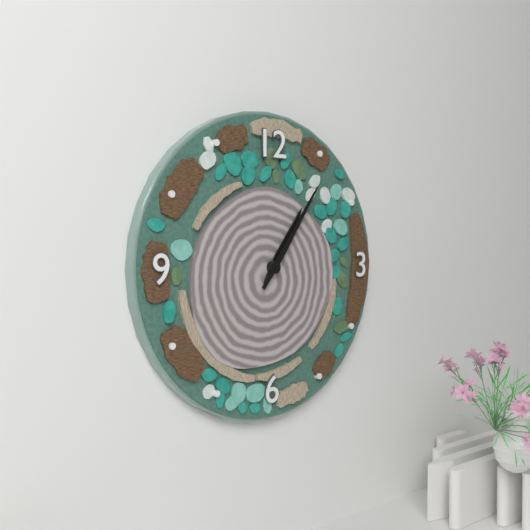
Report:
**1:06**
